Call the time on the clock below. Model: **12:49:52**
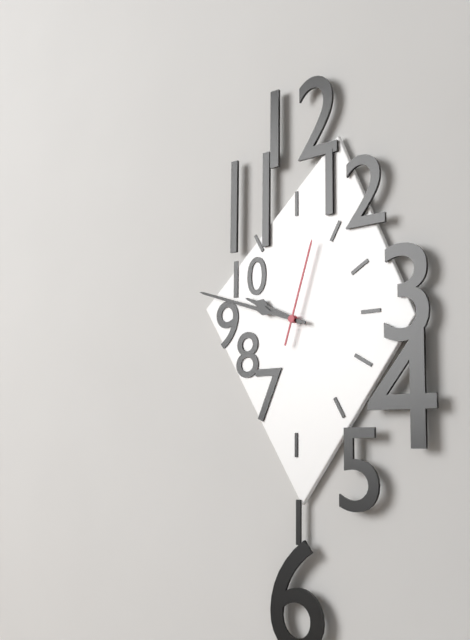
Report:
**9:48:03**
